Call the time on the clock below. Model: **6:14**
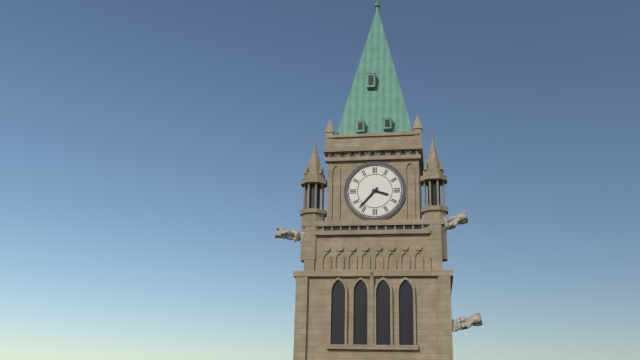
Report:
**3:37**
